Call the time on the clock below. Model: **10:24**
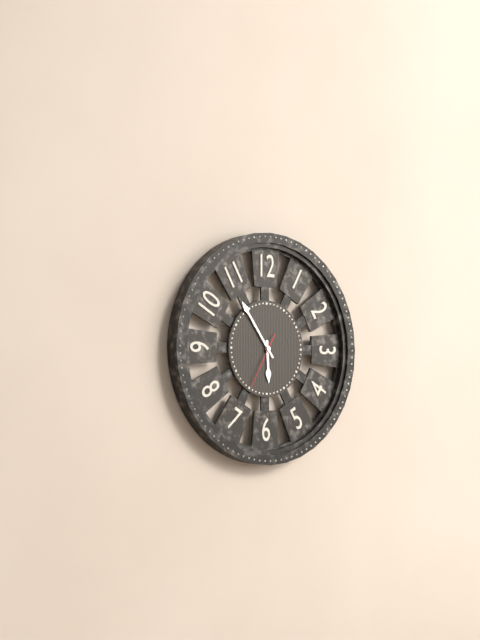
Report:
**5:54**
